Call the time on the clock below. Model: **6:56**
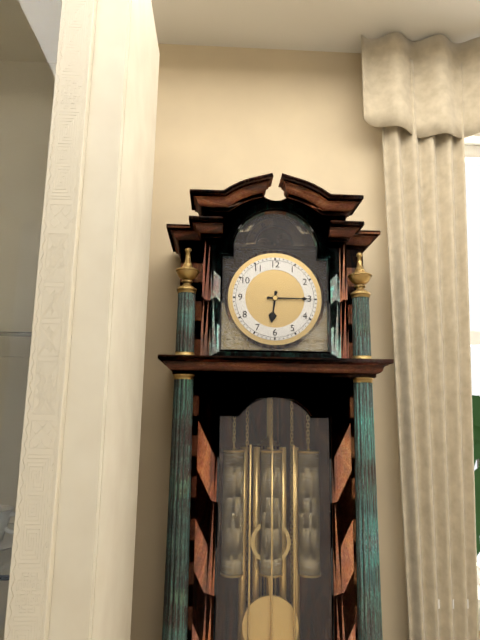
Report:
**6:15**
